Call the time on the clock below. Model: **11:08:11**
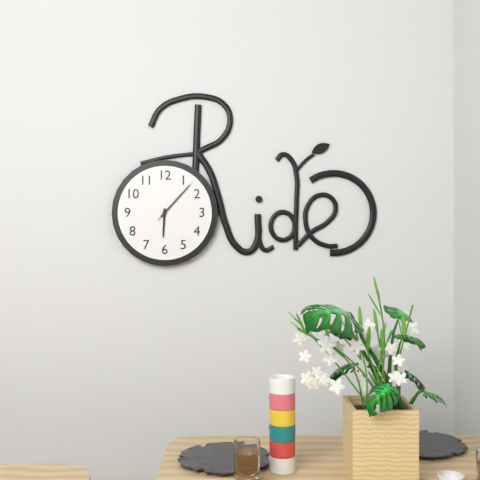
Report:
**6:07:07**
